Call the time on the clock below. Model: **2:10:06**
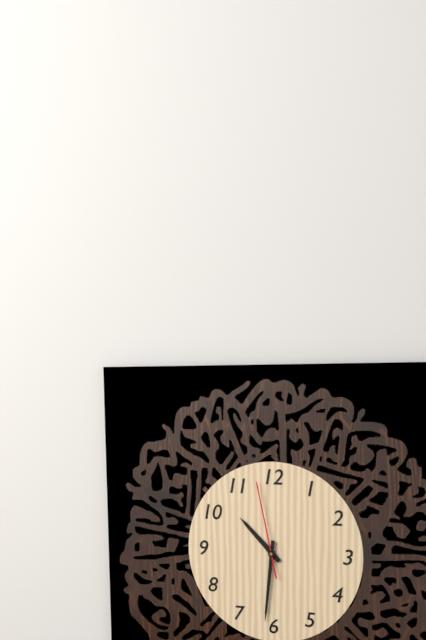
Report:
**10:31:58**
